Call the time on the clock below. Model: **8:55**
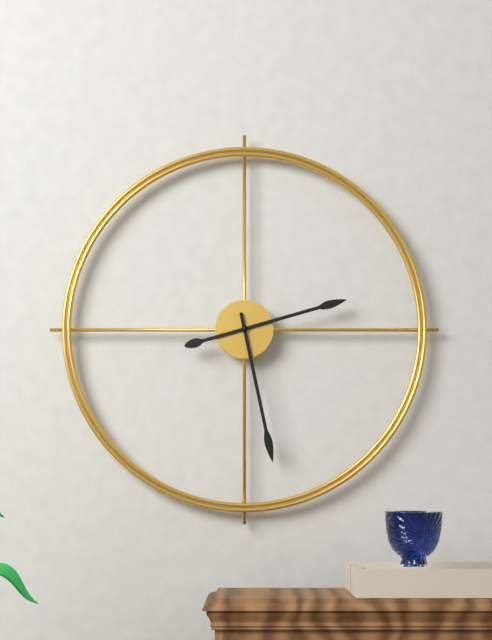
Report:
**2:28**
